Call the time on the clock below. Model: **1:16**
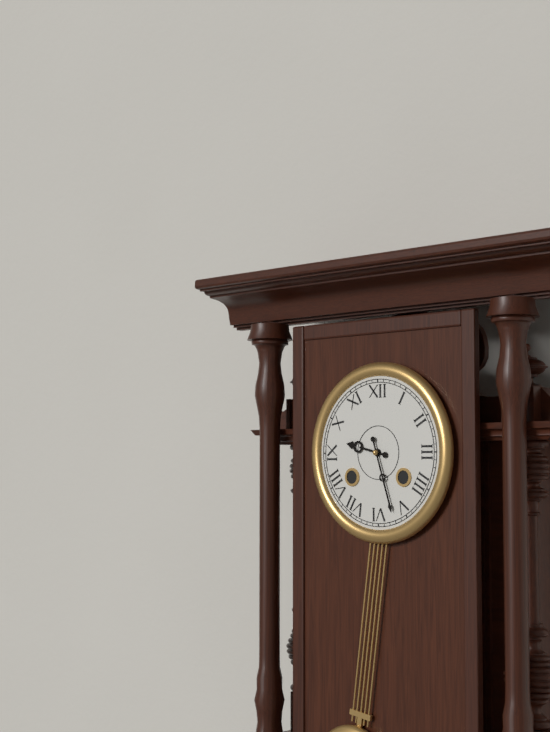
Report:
**9:27**
